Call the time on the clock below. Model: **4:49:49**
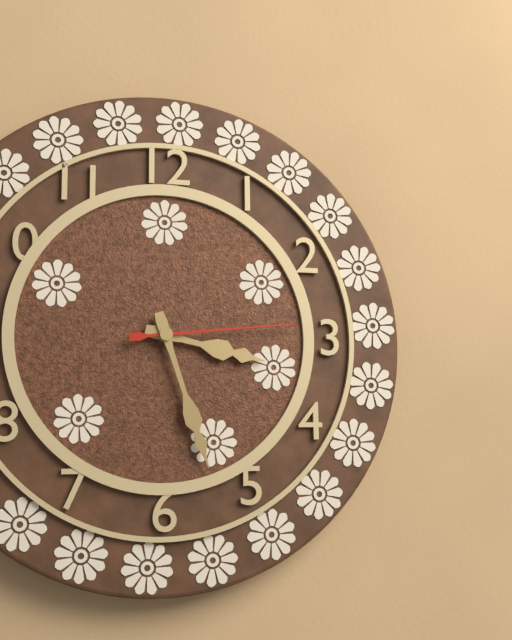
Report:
**3:27:14**
